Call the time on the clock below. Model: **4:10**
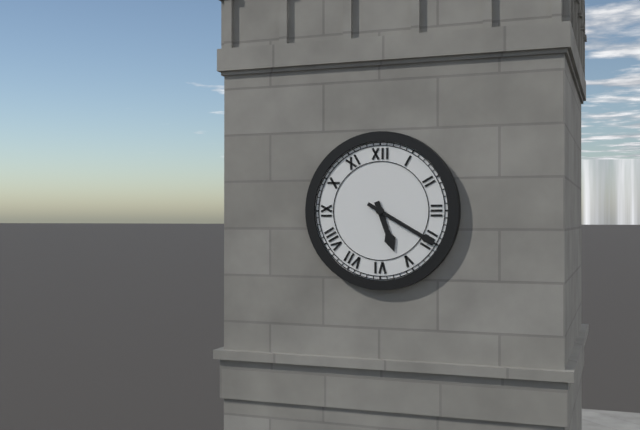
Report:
**5:20**
